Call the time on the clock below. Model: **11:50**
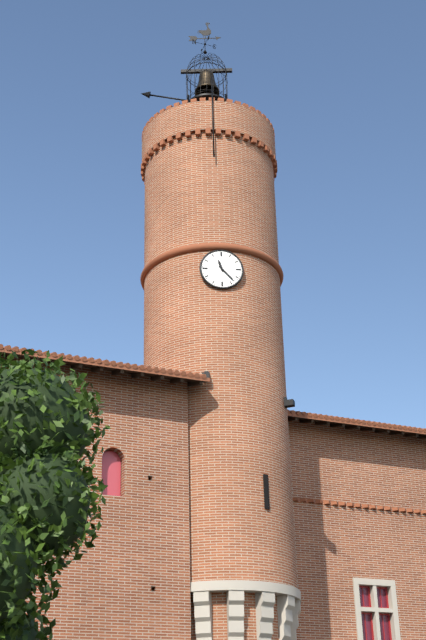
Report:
**11:23**
